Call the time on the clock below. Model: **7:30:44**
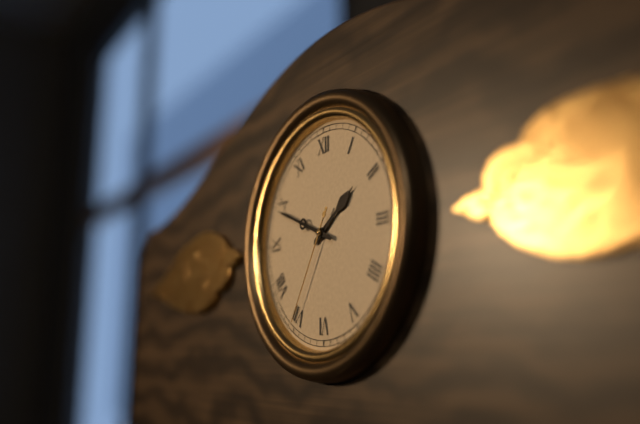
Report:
**1:49:35**
